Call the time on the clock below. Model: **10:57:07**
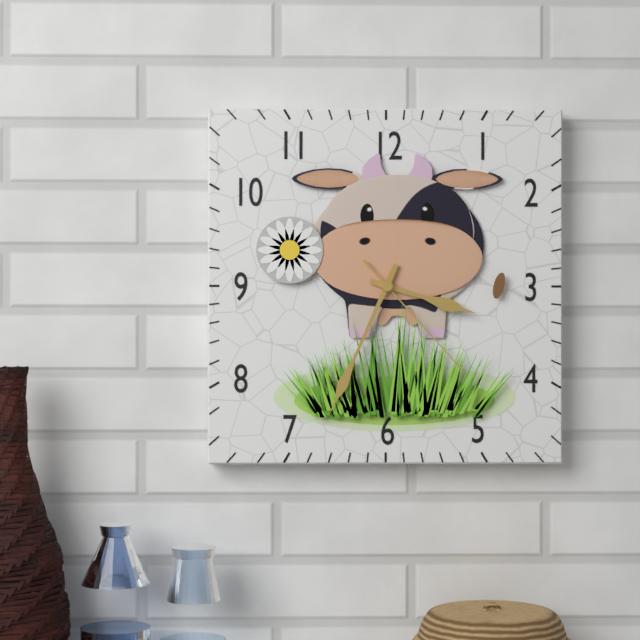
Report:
**3:34:23**
